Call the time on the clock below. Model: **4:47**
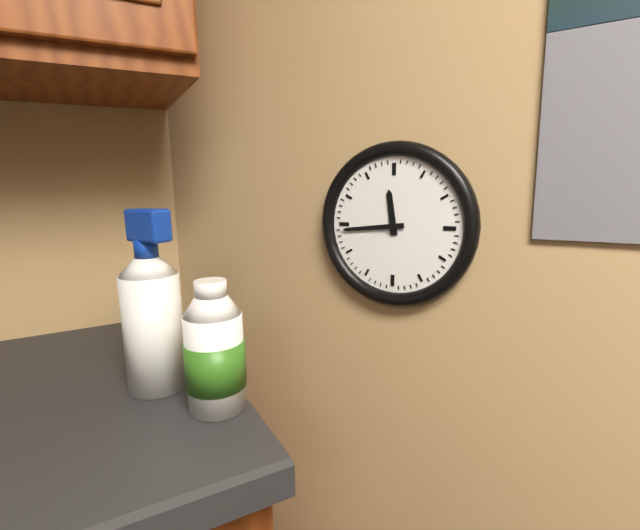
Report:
**11:44**
